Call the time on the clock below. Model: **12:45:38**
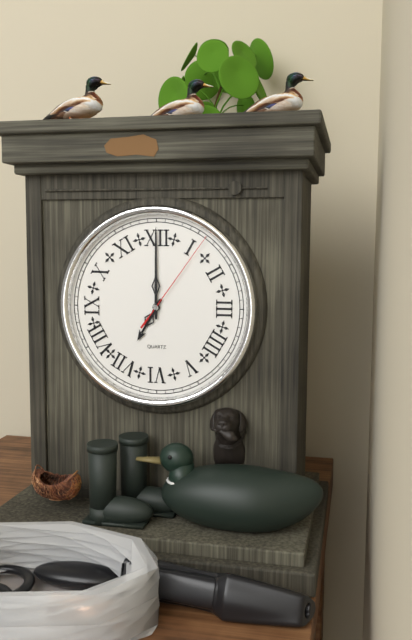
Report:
**7:00:06**
